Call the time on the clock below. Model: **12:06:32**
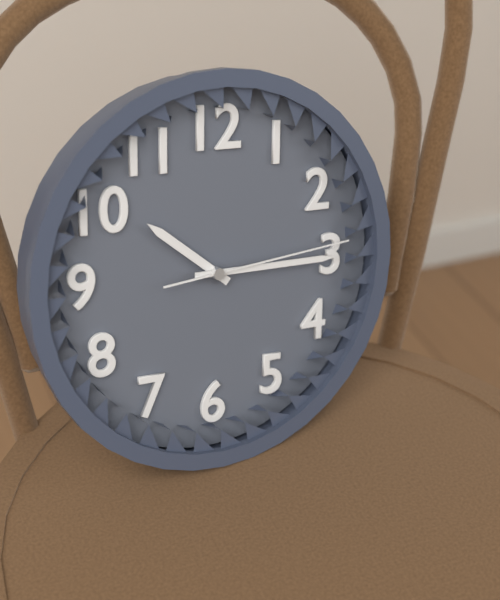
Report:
**10:15:14**
